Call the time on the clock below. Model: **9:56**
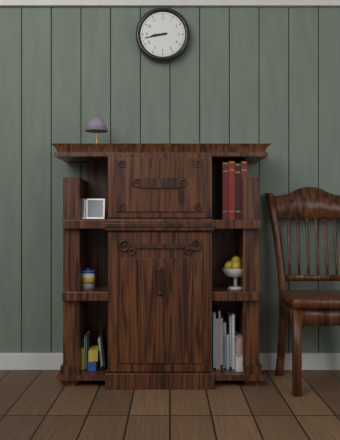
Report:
**8:43**
